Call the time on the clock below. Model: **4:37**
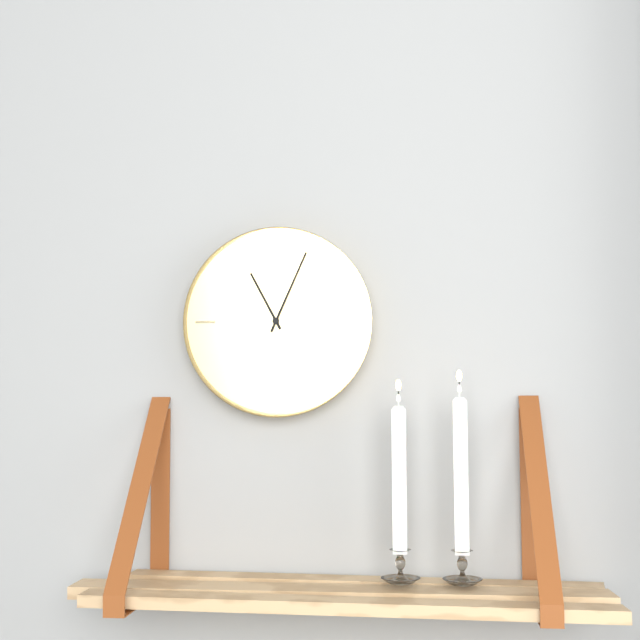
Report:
**11:04**
